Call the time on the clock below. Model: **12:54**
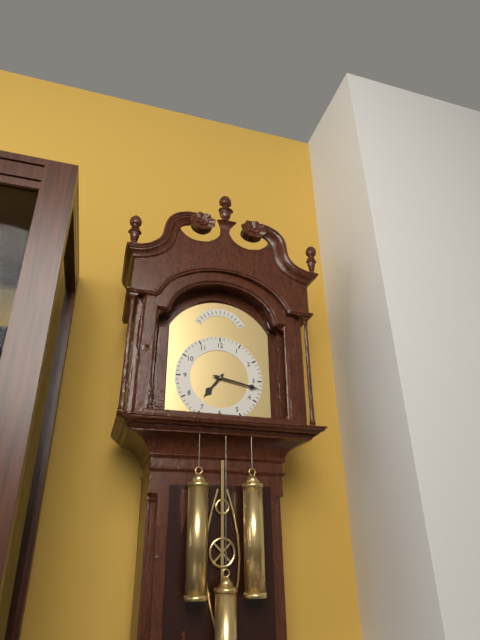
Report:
**7:17**
